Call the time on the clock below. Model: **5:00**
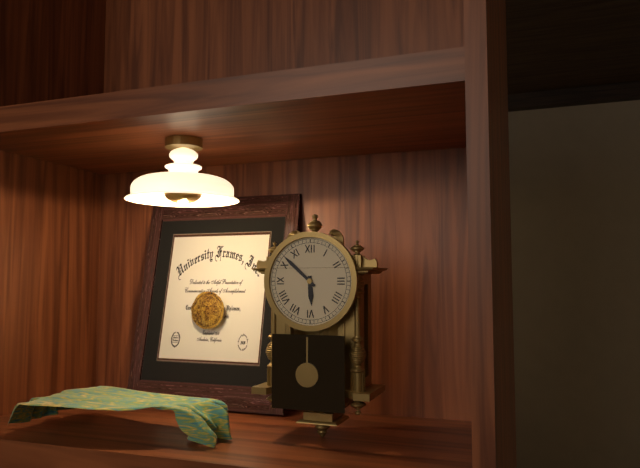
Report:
**5:52**
